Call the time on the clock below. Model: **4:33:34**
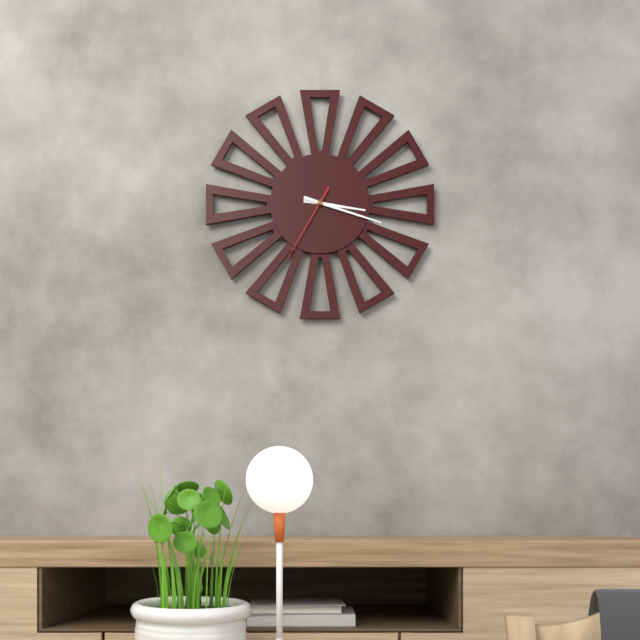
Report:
**3:18:35**
